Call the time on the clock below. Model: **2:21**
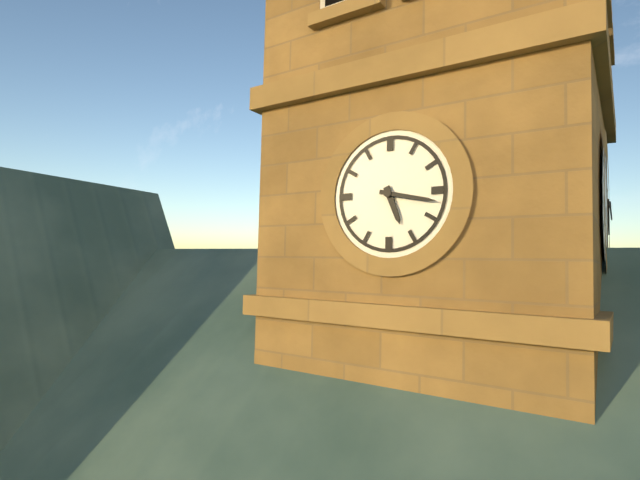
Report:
**5:17**
